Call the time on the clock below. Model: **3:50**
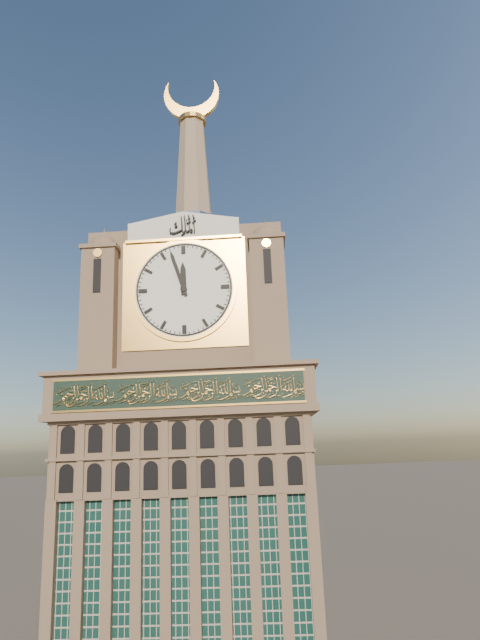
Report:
**11:57**
